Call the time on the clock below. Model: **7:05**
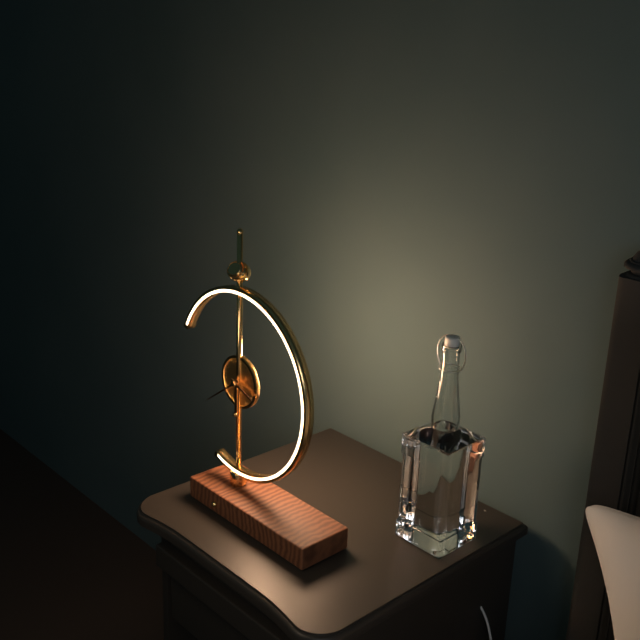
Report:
**3:39**
